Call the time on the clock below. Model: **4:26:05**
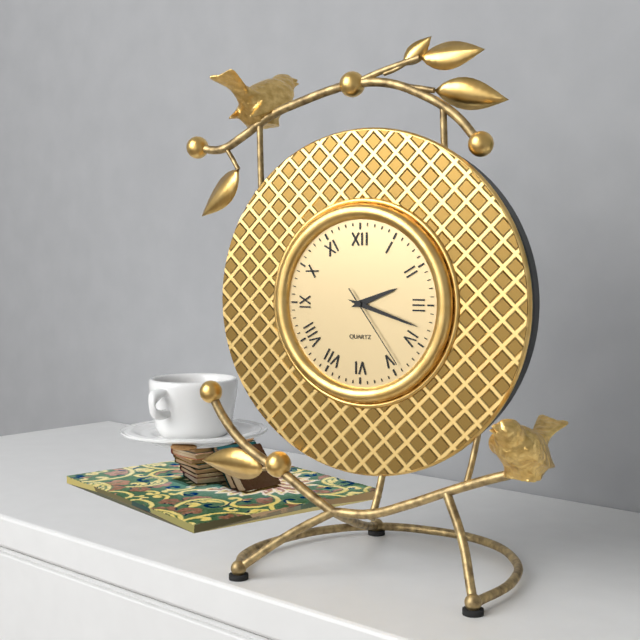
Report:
**2:18:24**
